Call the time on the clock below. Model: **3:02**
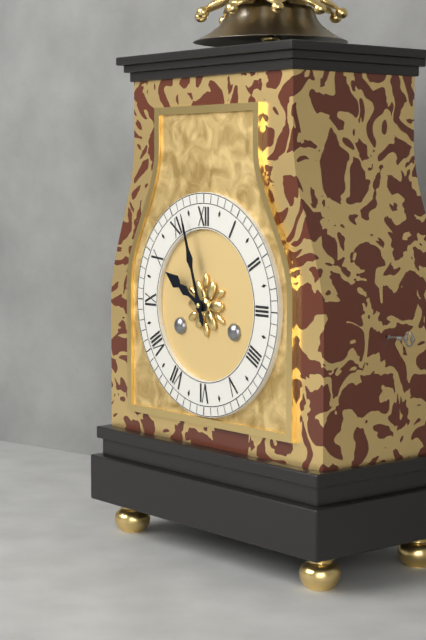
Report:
**9:57**
